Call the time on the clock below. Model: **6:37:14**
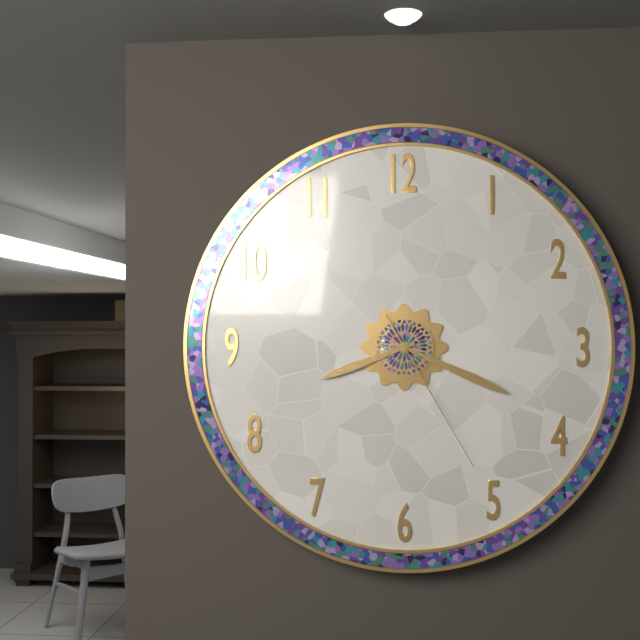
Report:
**8:19:25**
